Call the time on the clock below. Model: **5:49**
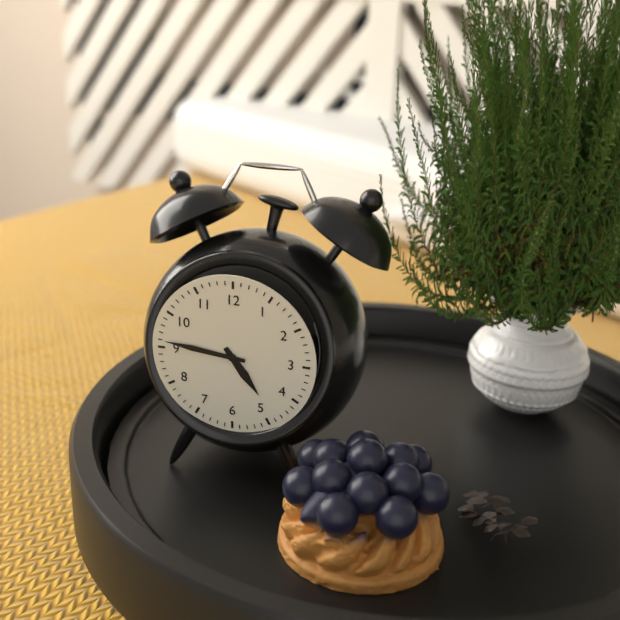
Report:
**4:46**
